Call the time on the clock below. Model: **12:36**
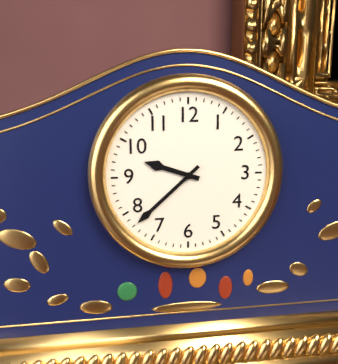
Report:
**9:38**
